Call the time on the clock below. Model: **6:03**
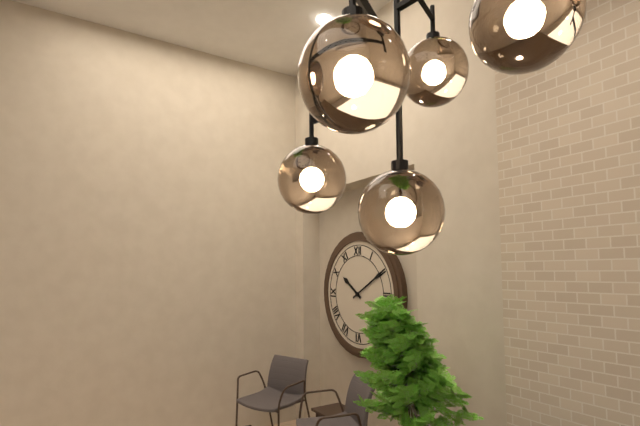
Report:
**10:10**
